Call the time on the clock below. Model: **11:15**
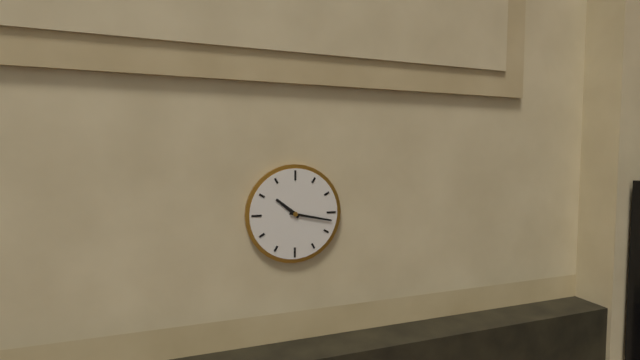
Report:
**10:17**
